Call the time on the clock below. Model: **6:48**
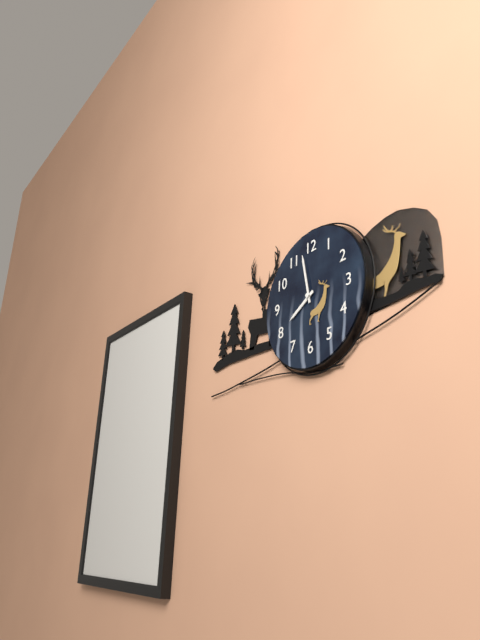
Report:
**7:58**
